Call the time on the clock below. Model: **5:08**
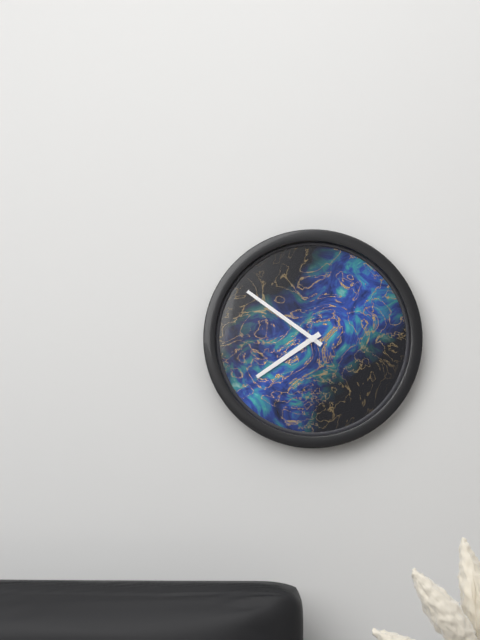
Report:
**7:51**
